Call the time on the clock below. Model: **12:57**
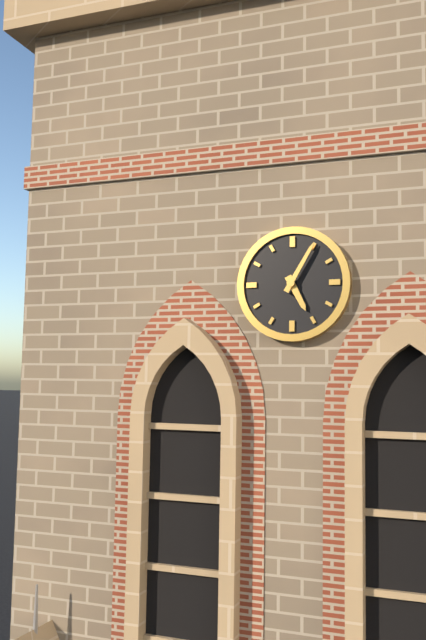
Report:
**5:05**
